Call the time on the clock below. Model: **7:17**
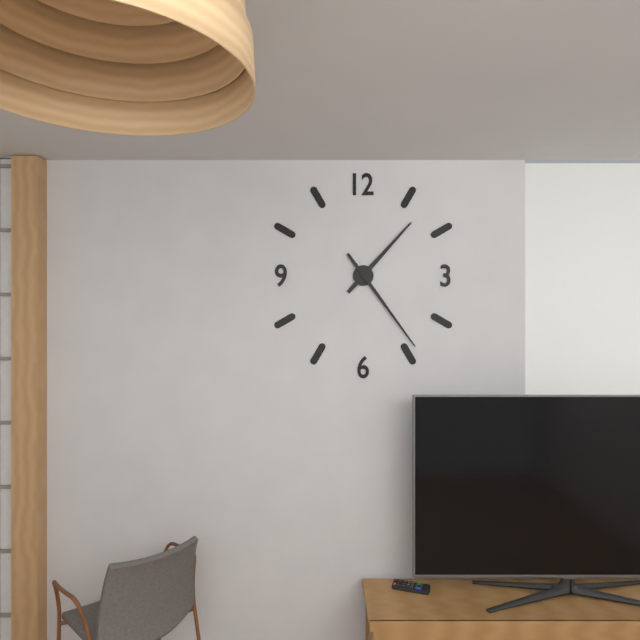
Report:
**1:24**
